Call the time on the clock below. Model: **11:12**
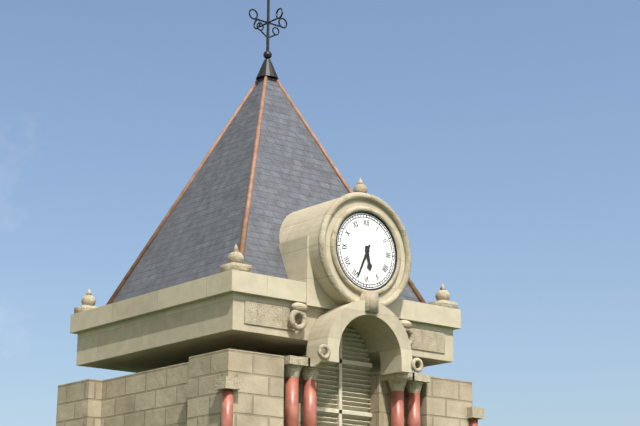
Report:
**5:34**
